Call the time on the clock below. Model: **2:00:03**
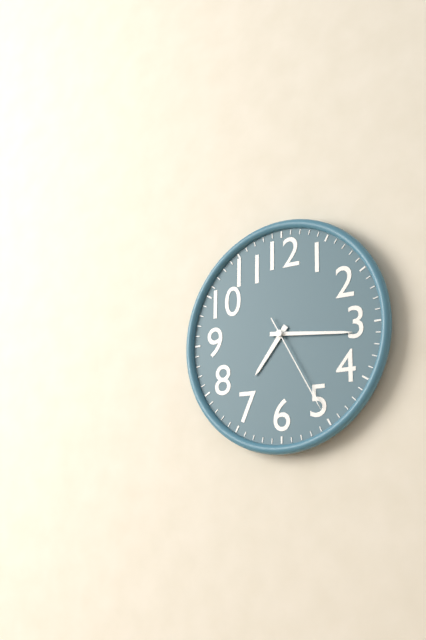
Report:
**7:16:25**
